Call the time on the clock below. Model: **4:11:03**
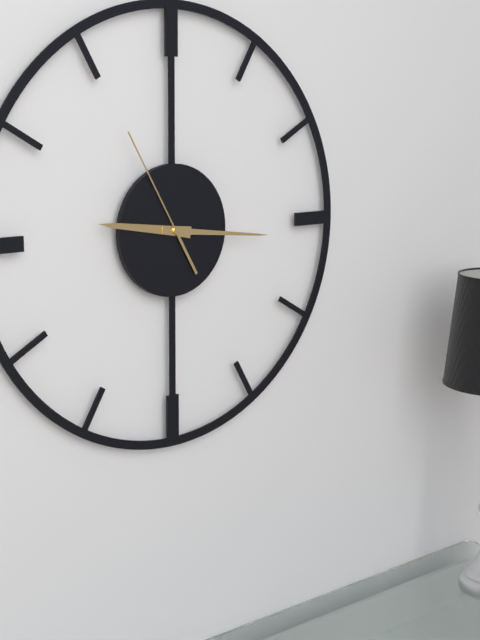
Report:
**9:16:55**
